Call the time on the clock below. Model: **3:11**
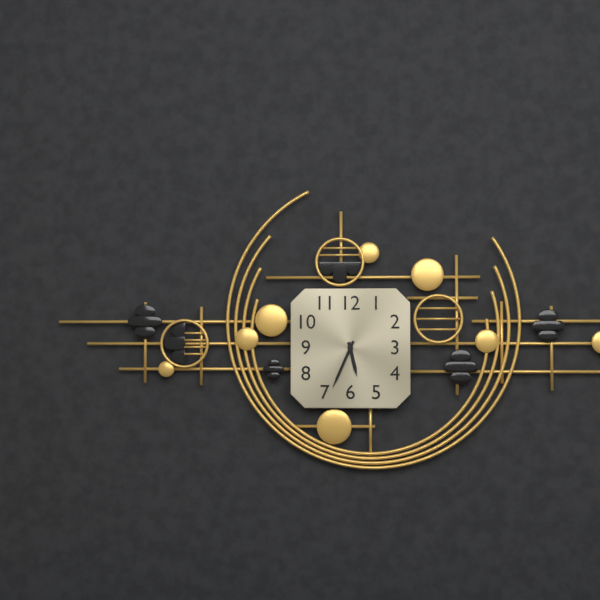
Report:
**5:34**
